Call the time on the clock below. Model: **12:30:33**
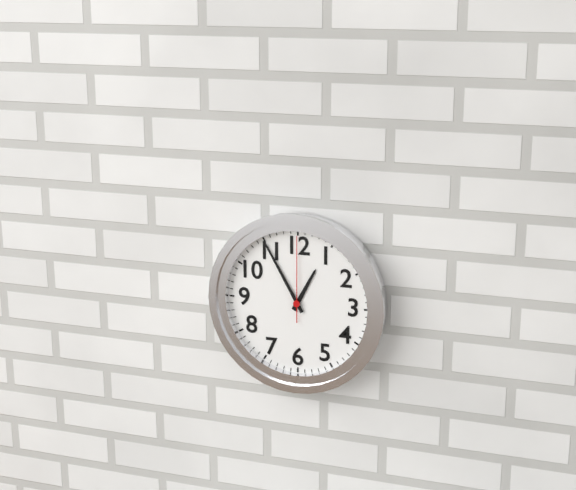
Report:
**12:55:00**
